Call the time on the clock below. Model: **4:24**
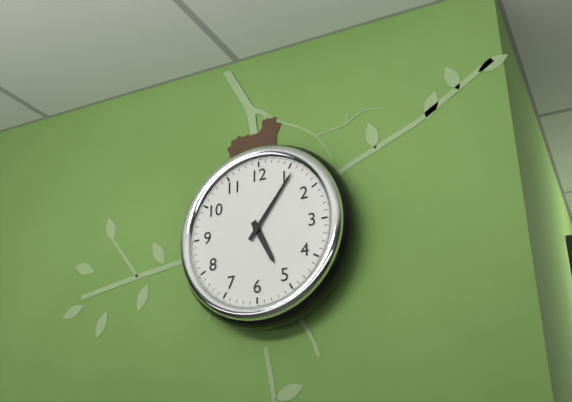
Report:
**5:06**
